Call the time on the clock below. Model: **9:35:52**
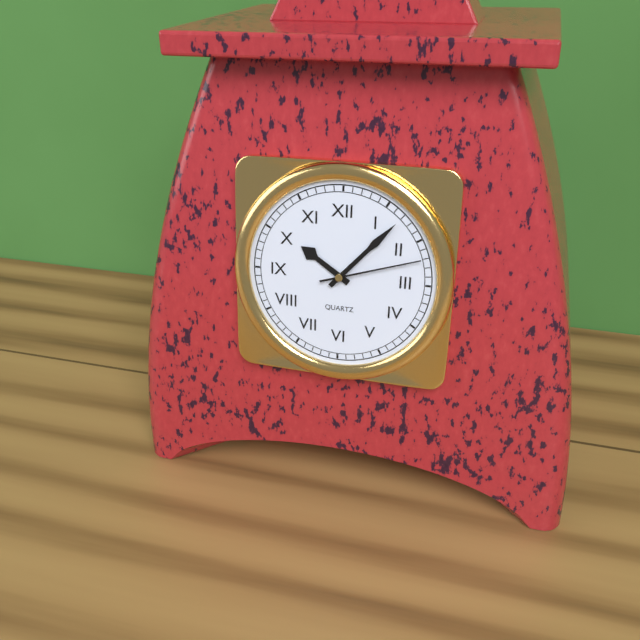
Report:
**10:07:12**
